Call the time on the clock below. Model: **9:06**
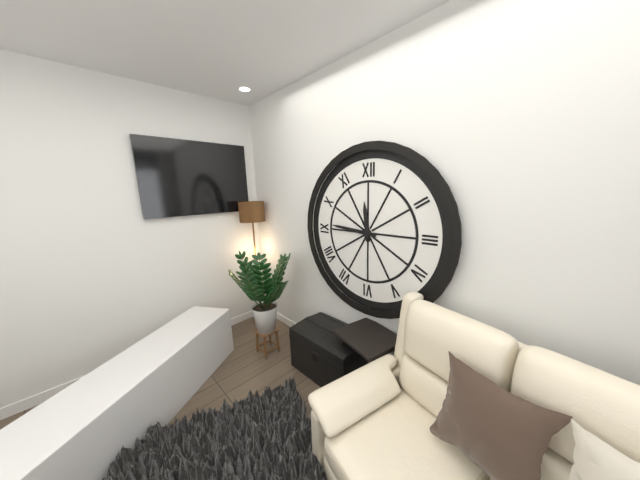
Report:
**11:46**
